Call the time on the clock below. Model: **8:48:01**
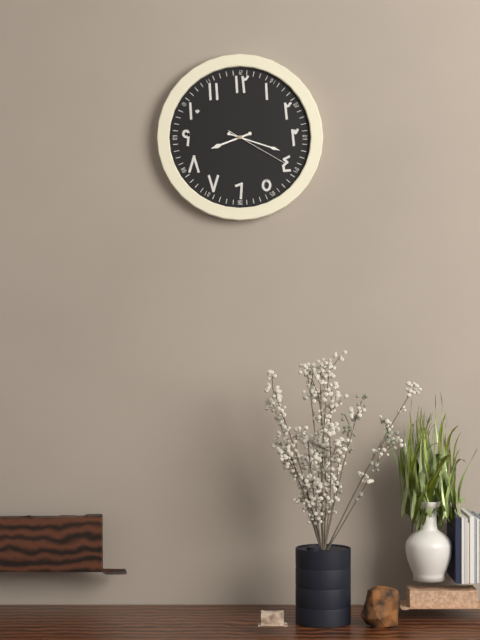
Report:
**8:18:20**
